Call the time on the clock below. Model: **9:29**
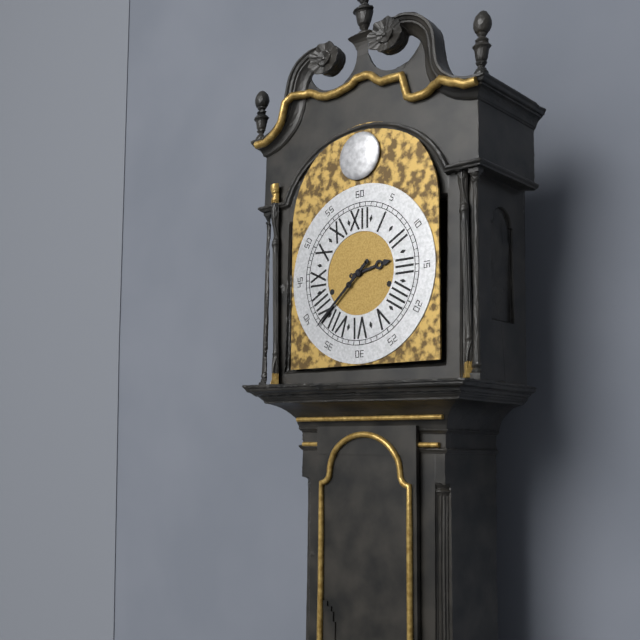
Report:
**2:38**
